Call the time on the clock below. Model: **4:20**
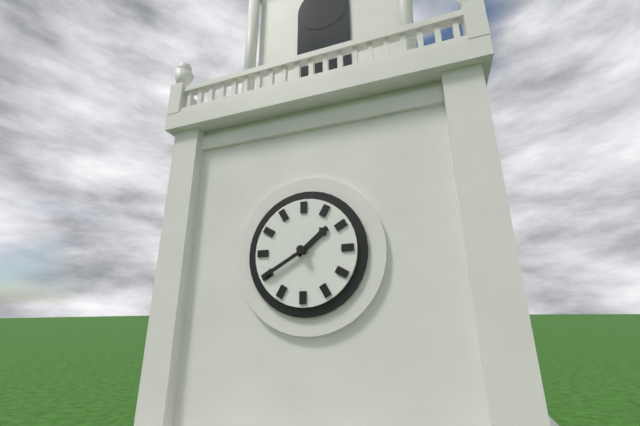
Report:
**1:40**
